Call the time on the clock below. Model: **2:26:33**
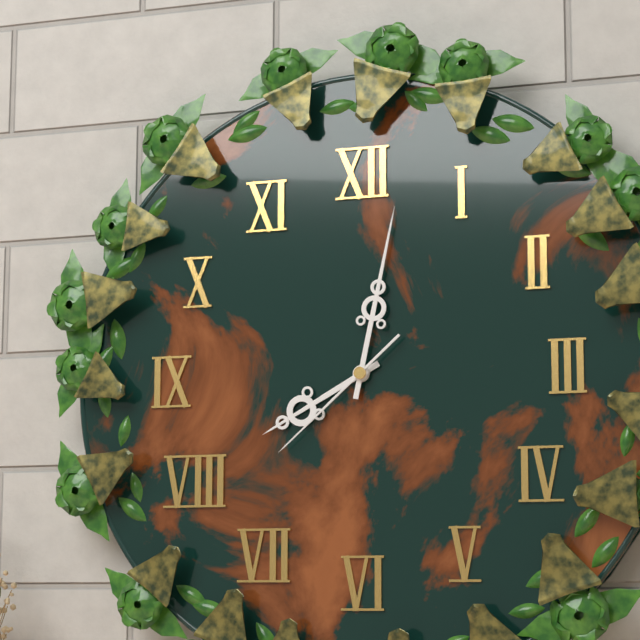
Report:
**8:02:38**
